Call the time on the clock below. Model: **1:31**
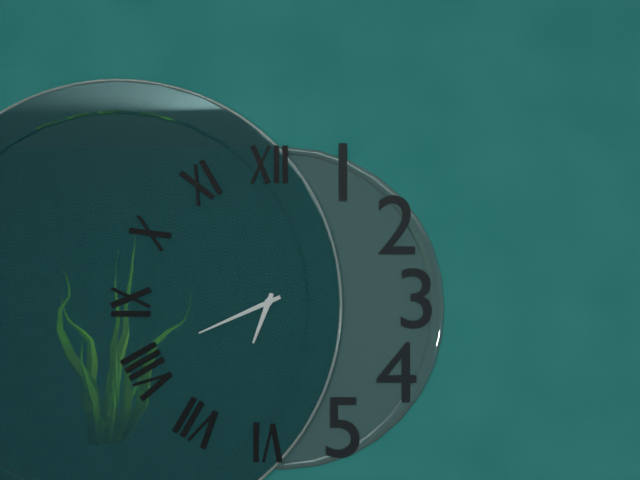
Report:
**6:41**
